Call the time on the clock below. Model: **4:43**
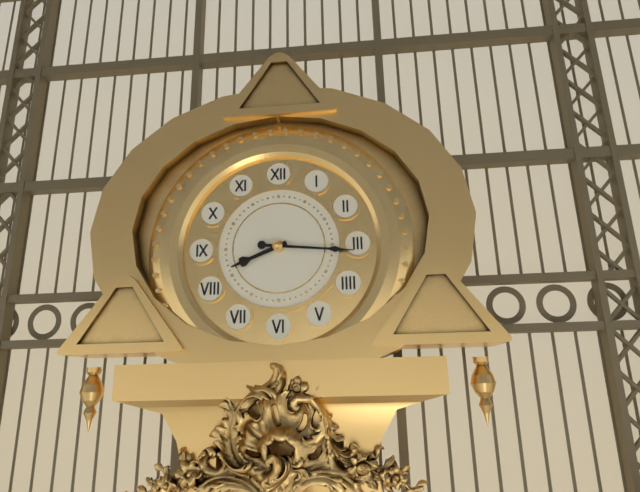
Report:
**8:16**
